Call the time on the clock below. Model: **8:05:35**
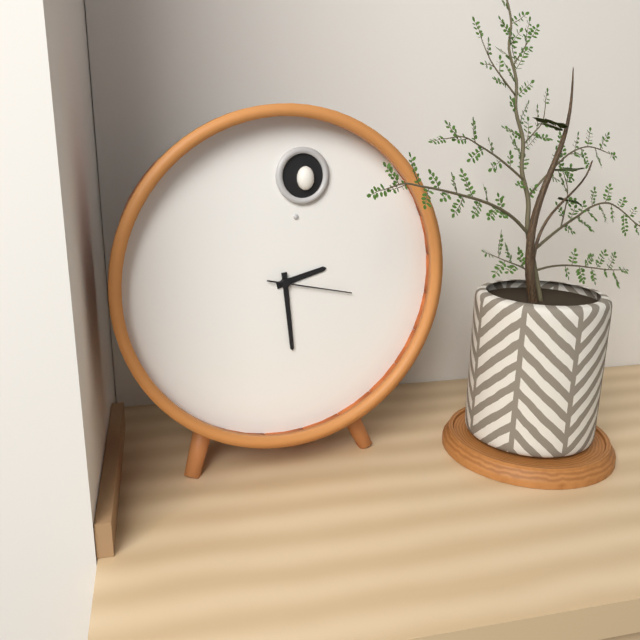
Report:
**2:29:17**
